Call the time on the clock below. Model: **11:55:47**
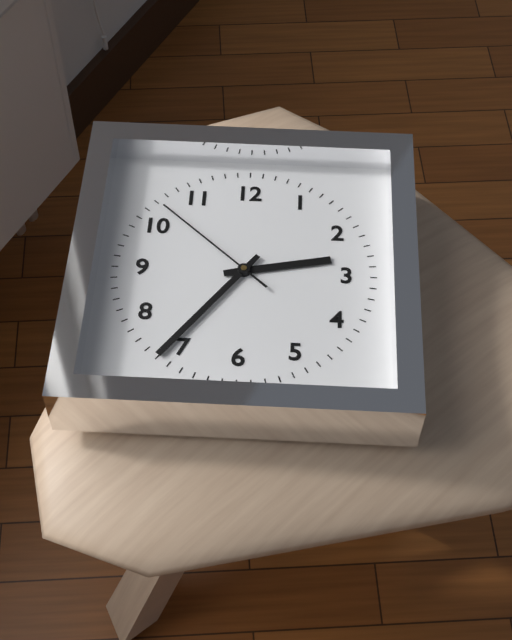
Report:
**2:36:52**
